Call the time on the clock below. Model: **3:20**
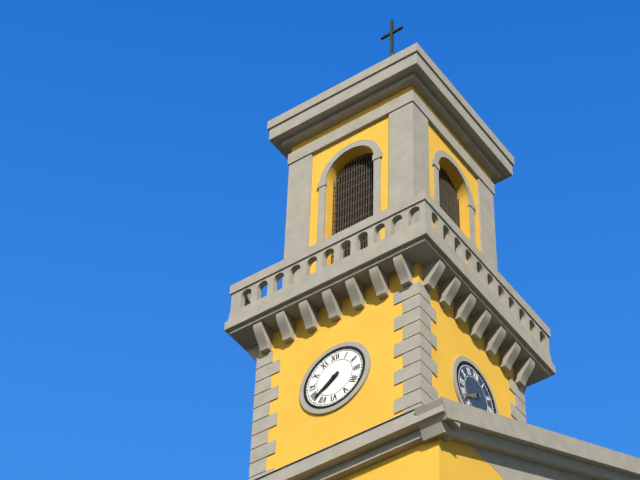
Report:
**7:39**
